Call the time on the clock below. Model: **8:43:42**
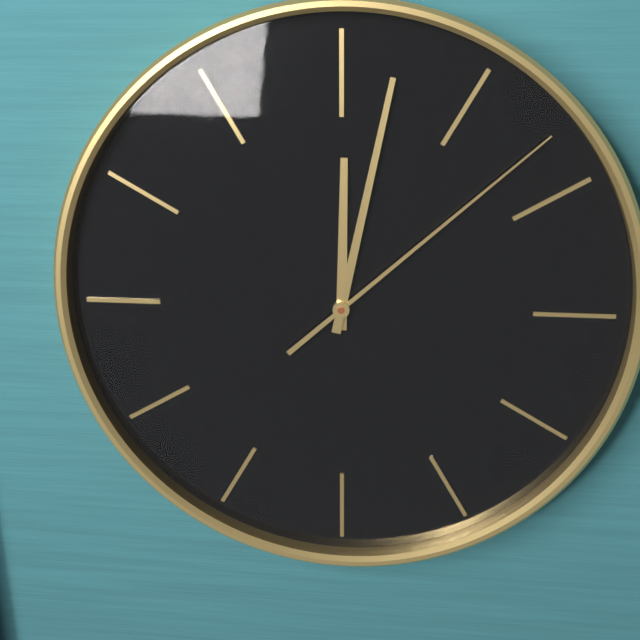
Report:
**12:02:08**
